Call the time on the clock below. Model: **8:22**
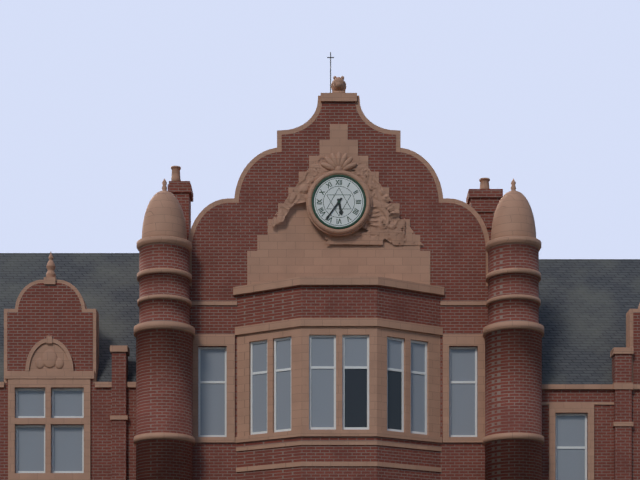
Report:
**5:36**
